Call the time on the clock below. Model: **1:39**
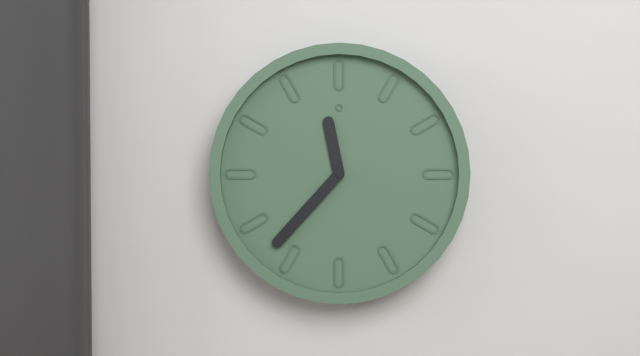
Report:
**11:37**
